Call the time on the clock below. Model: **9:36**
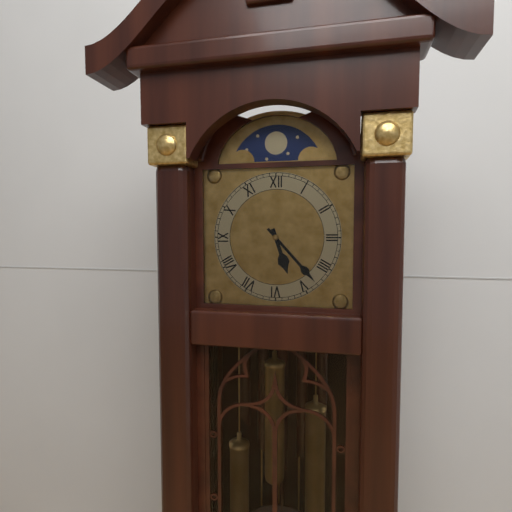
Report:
**5:23**
